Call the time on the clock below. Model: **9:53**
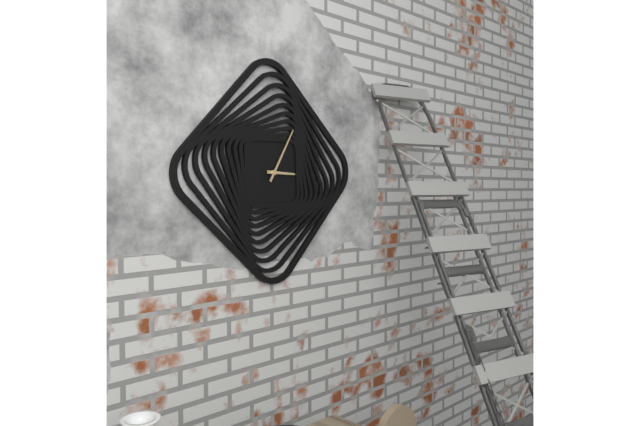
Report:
**3:05**
